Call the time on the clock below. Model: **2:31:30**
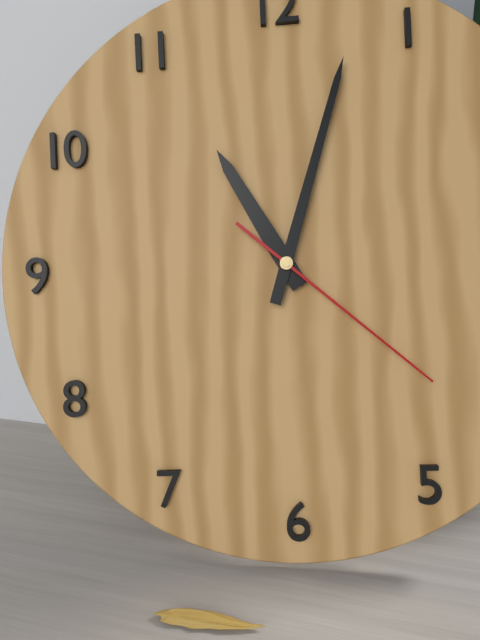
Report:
**11:03:22**
